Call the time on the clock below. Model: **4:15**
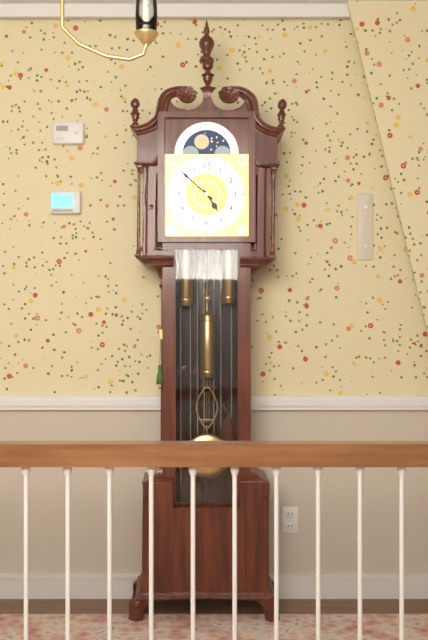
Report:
**4:52**
